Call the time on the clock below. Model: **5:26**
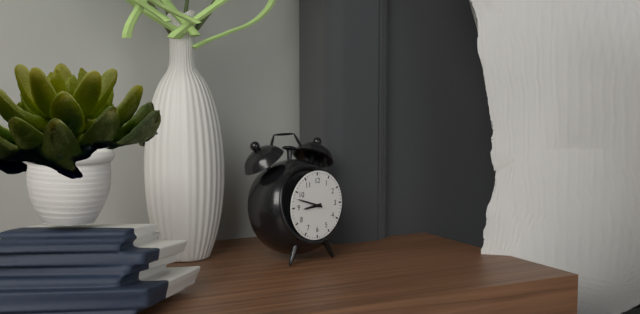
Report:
**8:48**
